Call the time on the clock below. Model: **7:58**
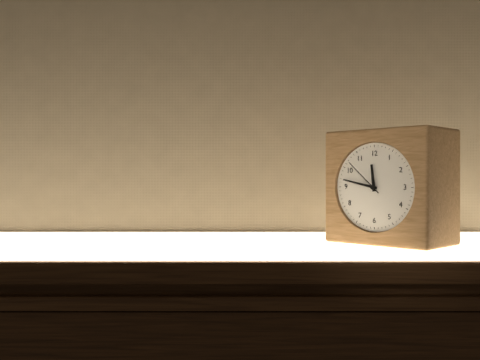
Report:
**11:47**
